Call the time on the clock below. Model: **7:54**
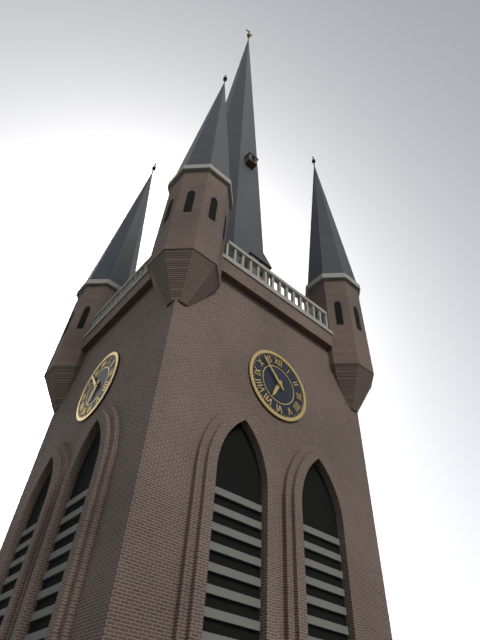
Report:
**6:53**
